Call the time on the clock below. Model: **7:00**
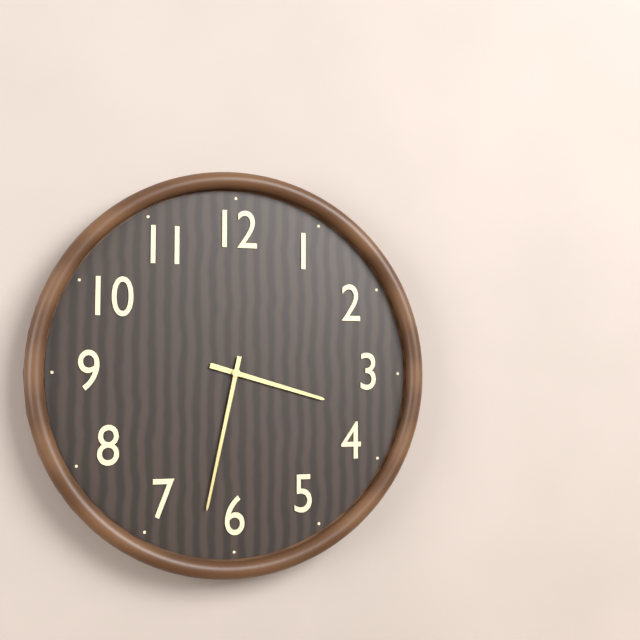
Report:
**3:32**
